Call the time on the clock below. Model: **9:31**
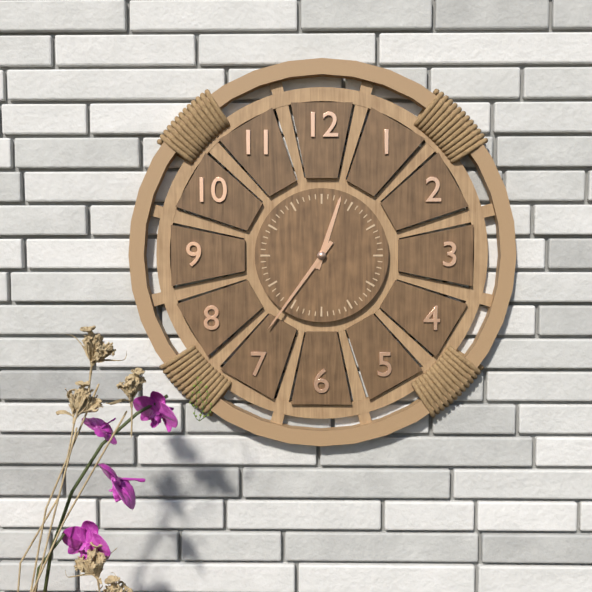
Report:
**12:36**
